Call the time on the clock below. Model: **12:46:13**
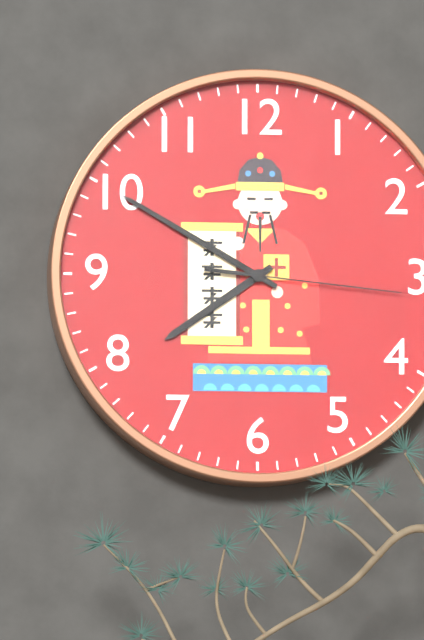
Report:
**7:50:16**
